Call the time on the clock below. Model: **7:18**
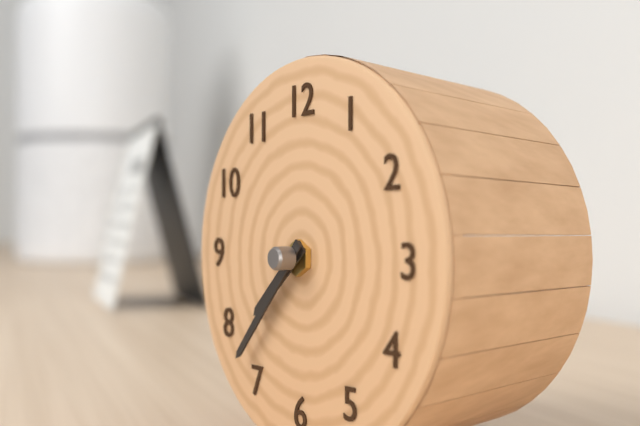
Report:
**7:37**
